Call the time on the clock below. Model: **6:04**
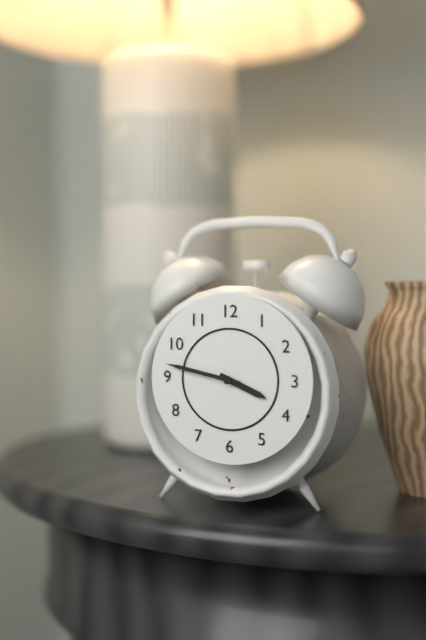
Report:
**3:47**
